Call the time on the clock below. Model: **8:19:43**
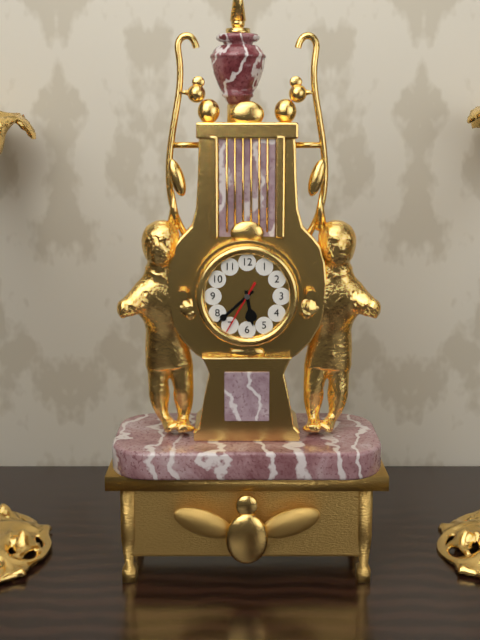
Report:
**5:38:35**
